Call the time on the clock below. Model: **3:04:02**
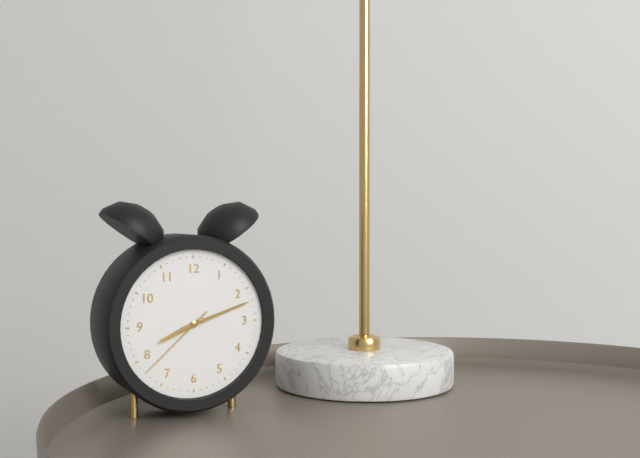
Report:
**8:12:38**
